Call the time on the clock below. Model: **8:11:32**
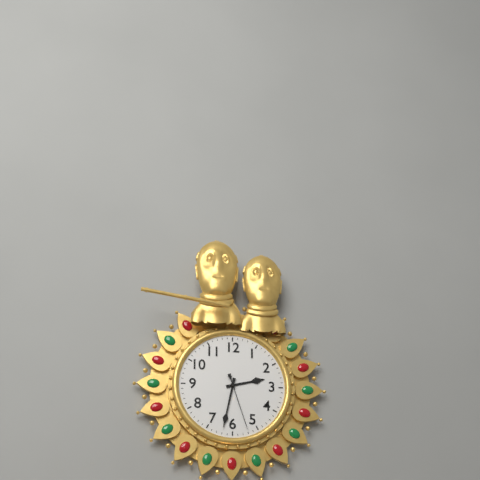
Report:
**2:32:27**
